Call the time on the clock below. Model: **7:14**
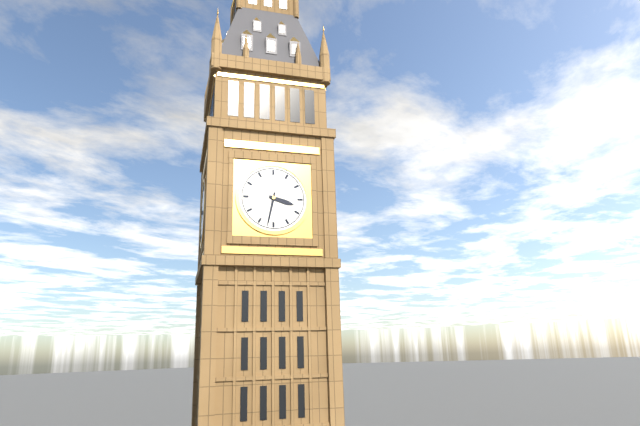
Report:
**3:32**
